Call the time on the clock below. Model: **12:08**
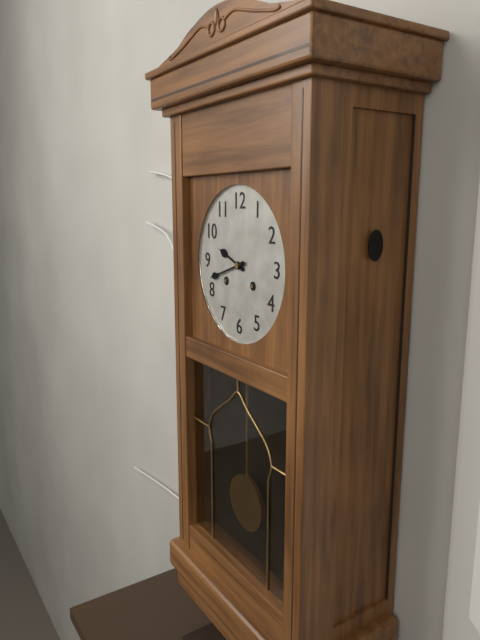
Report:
**9:42**
